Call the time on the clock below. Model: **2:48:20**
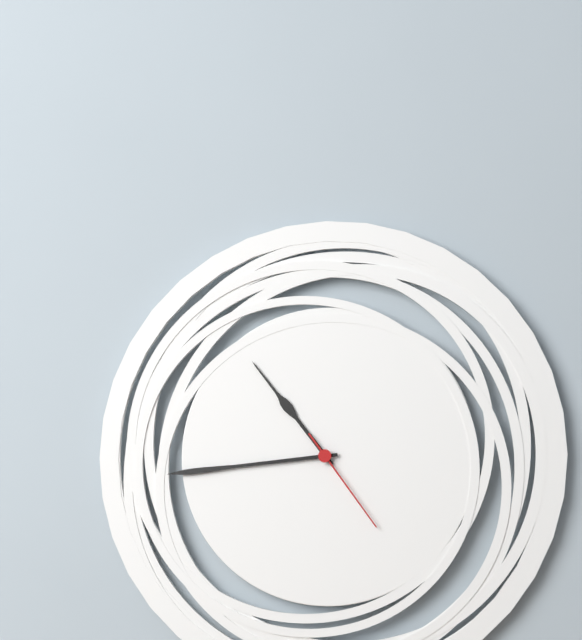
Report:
**10:44:24**
